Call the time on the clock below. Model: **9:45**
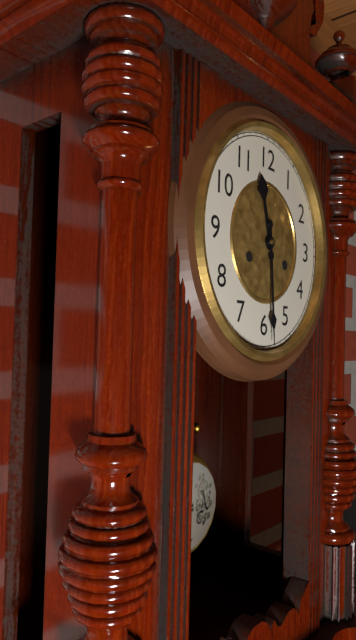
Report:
**11:29**
